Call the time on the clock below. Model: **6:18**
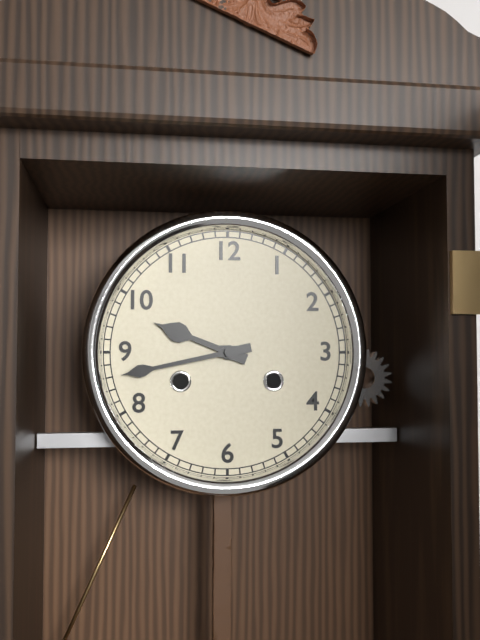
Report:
**9:43**
